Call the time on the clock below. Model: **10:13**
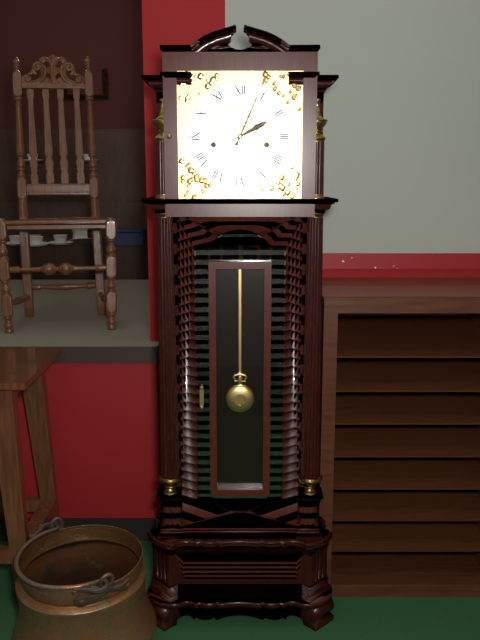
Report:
**2:04**
